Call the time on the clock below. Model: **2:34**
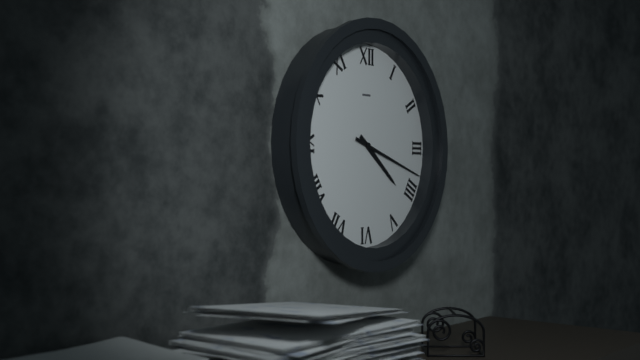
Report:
**4:18**
